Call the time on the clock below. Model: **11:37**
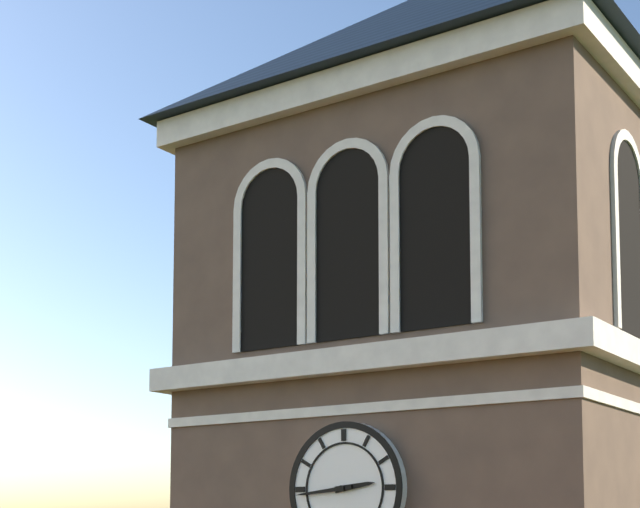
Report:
**2:44**
